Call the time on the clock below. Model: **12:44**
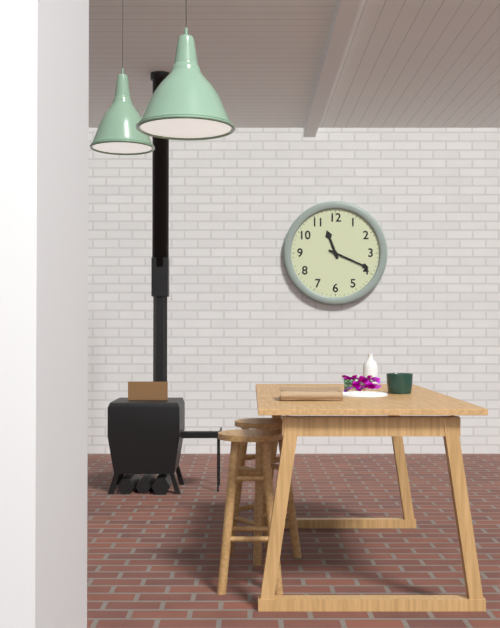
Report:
**11:19**
